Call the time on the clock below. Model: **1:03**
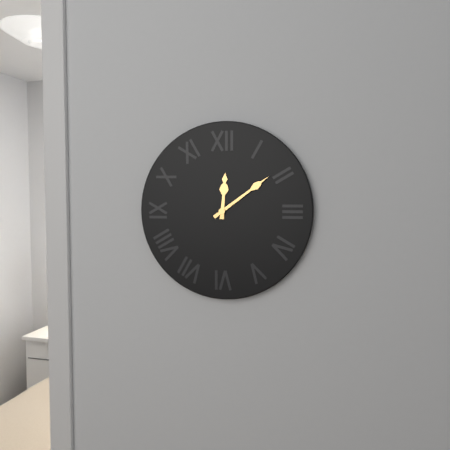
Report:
**12:09**
